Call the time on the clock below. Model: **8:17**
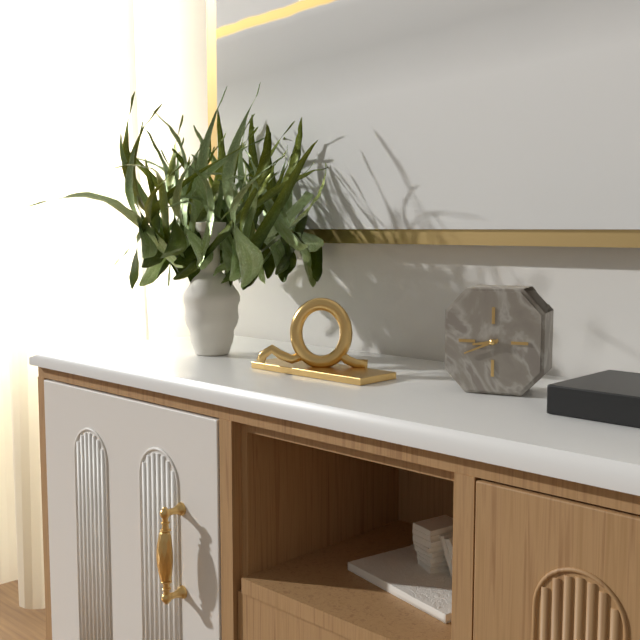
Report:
**8:41**
